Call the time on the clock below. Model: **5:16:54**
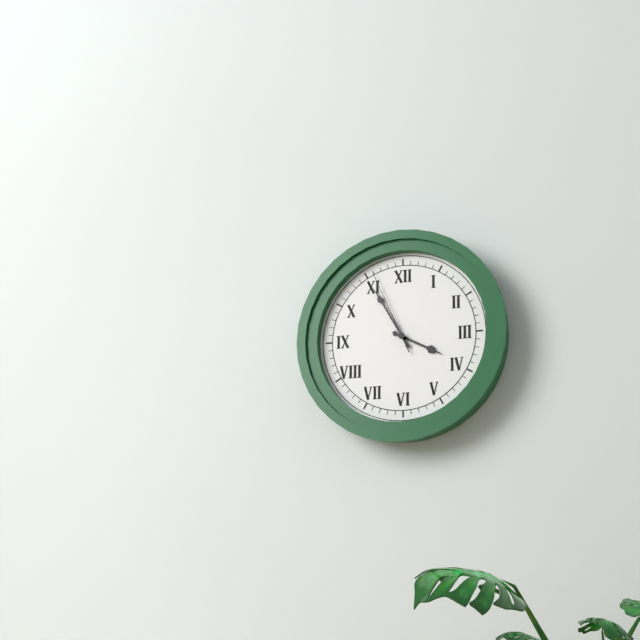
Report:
**3:55:56**
